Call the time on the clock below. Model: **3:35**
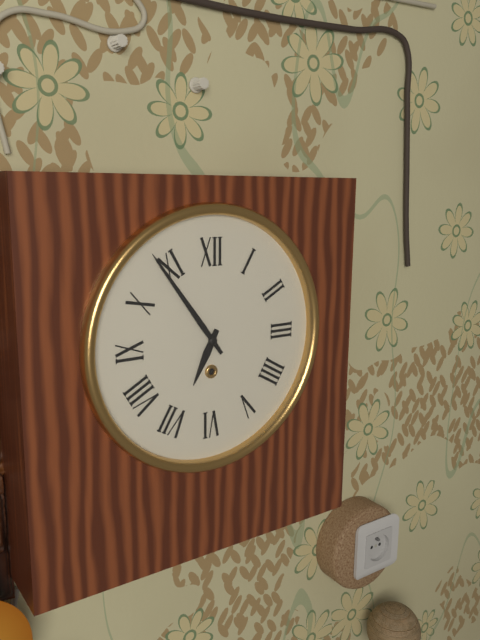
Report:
**6:54**
